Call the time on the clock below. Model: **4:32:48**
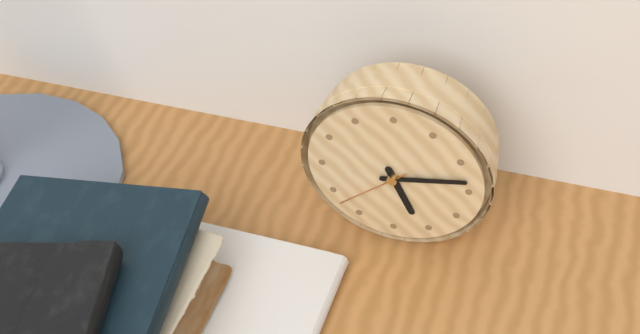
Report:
**5:13:38**
